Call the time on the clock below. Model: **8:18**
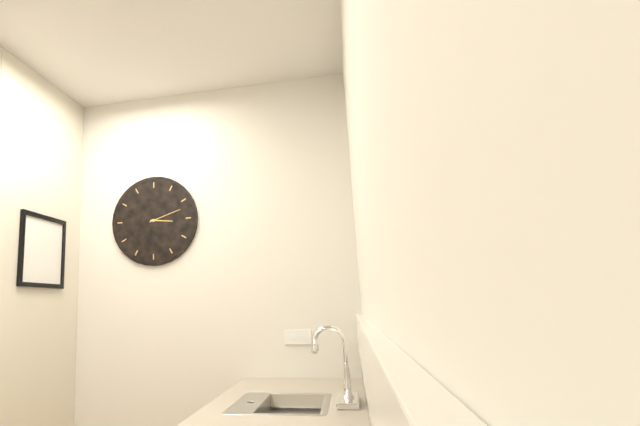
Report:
**3:12**
